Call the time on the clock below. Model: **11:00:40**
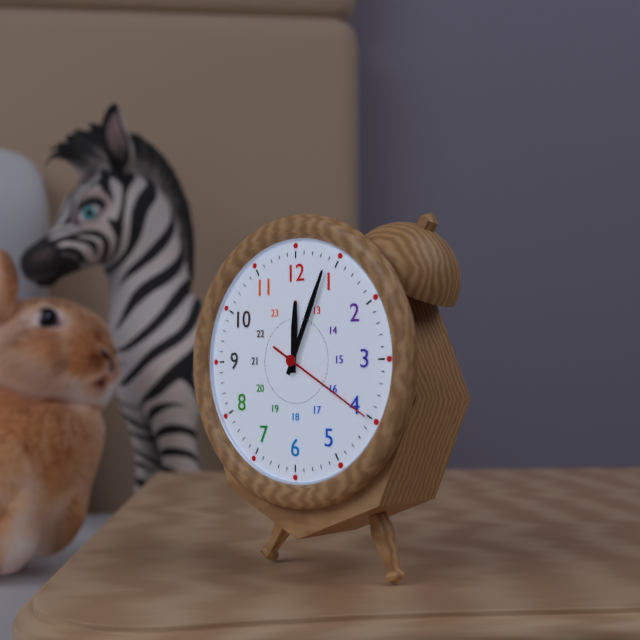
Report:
**12:04:20**
